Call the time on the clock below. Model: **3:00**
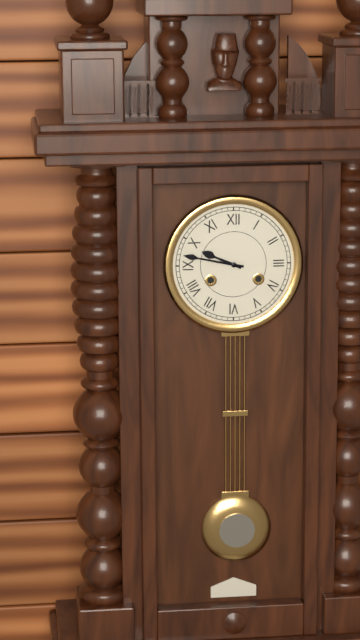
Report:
**9:47**
